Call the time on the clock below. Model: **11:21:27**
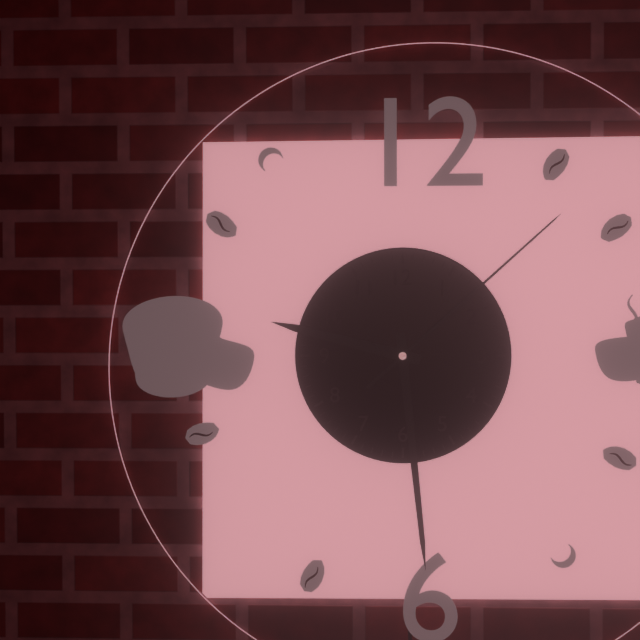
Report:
**9:29:08**
